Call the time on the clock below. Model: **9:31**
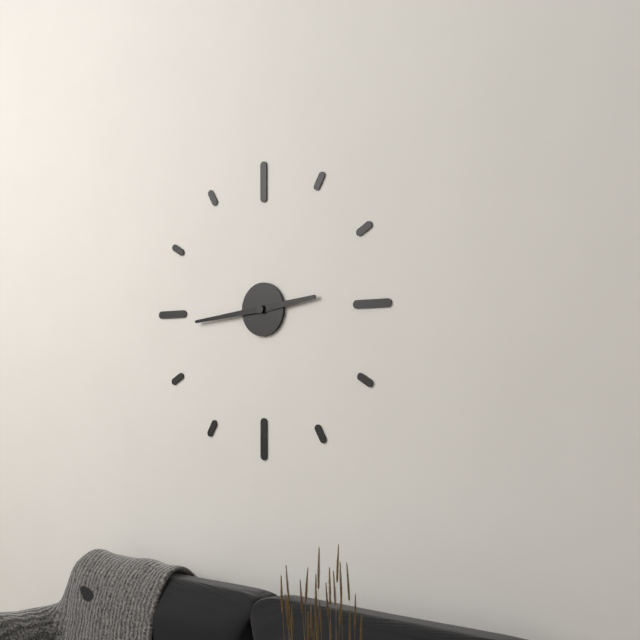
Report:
**2:44**
